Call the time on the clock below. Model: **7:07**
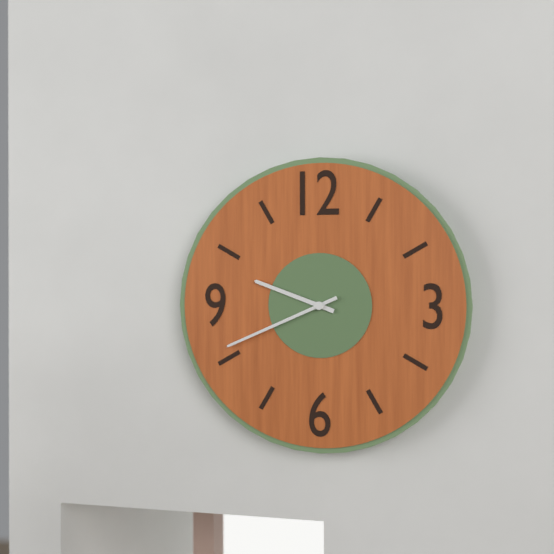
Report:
**9:41**
